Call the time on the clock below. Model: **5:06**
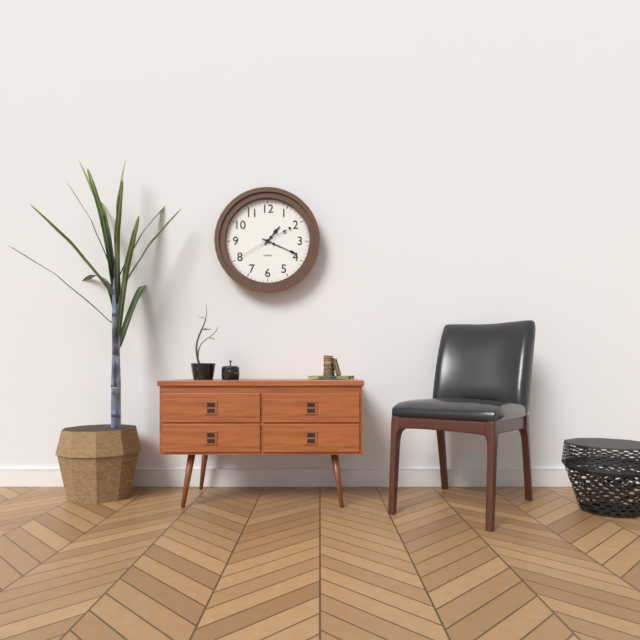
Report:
**1:19**
